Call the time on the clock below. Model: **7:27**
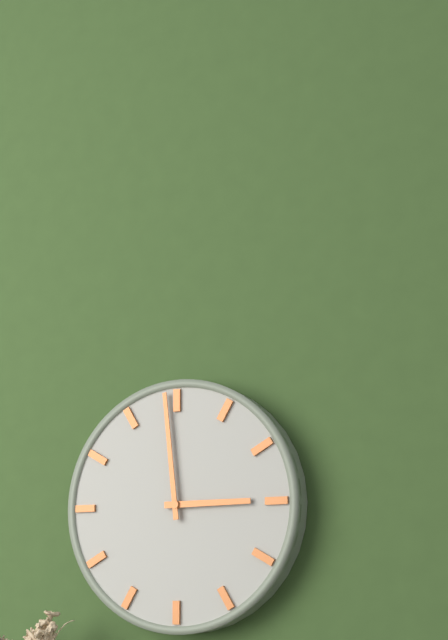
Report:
**2:59**
